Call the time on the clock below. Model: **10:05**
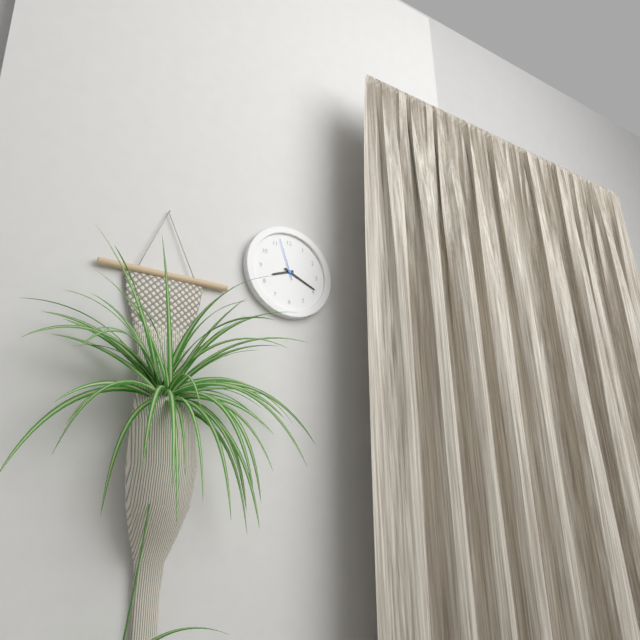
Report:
**8:19**
